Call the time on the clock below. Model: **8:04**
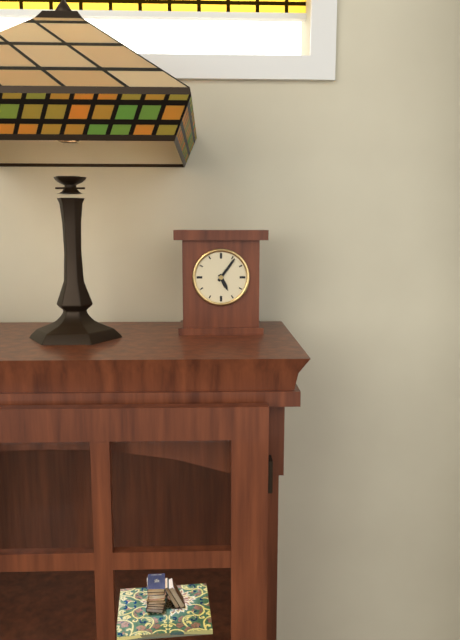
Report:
**5:06**
